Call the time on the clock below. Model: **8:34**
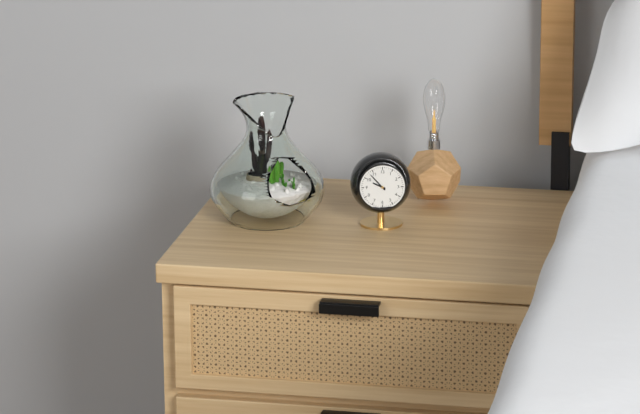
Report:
**9:53**
